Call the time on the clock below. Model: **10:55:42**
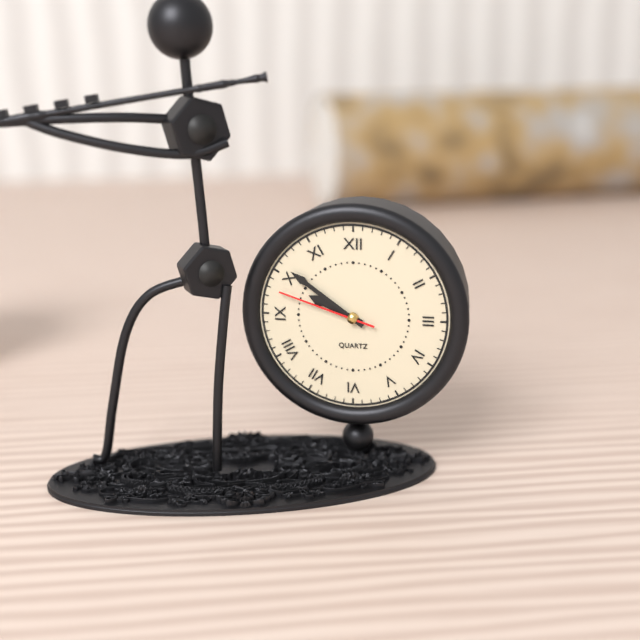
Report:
**9:51:48**
